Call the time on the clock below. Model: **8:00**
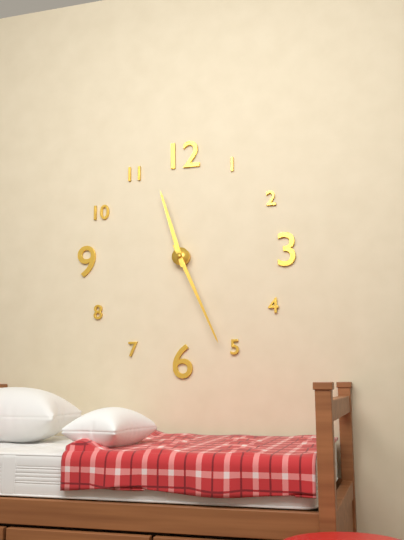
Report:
**11:26**
